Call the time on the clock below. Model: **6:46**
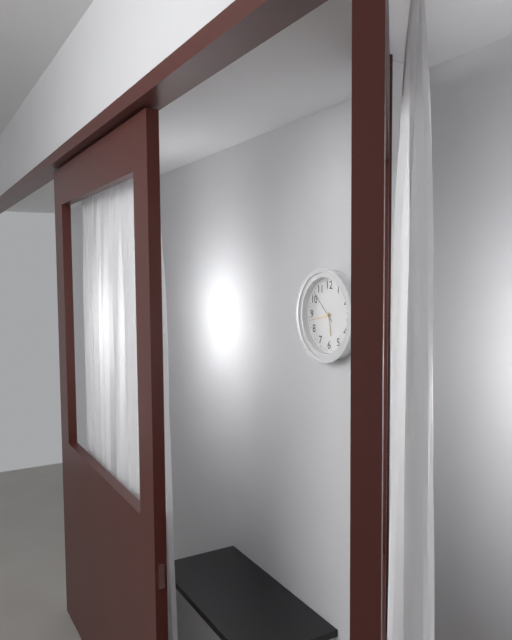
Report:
**5:43**
